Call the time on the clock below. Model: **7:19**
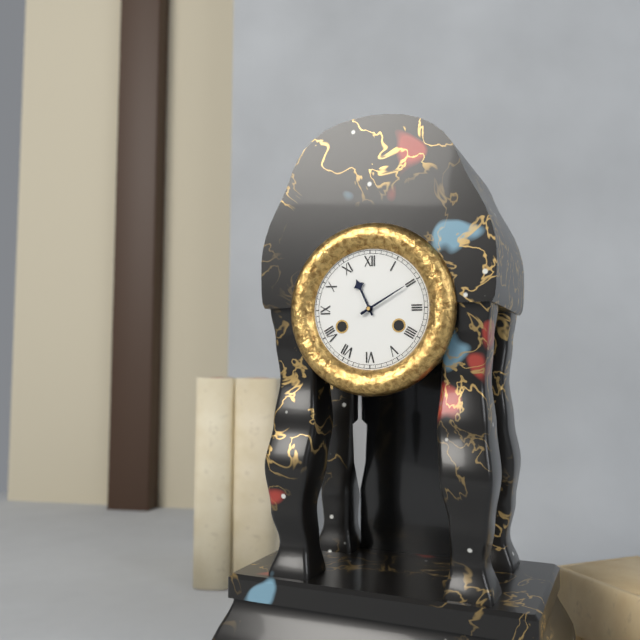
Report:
**11:10**
